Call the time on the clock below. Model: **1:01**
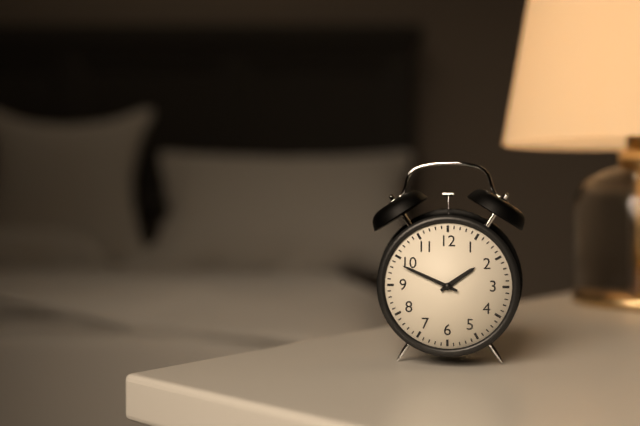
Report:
**1:49**
